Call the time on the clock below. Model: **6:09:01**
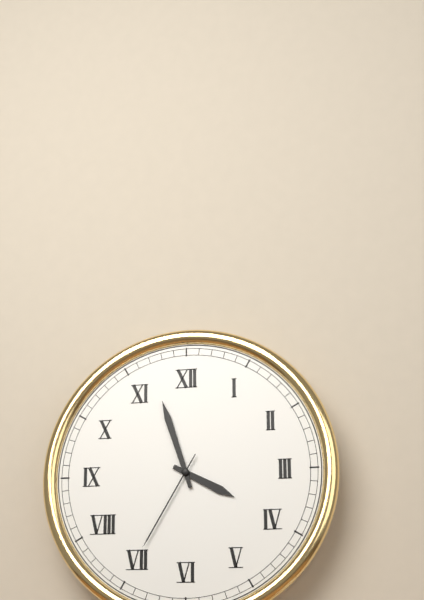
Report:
**3:57:35**
